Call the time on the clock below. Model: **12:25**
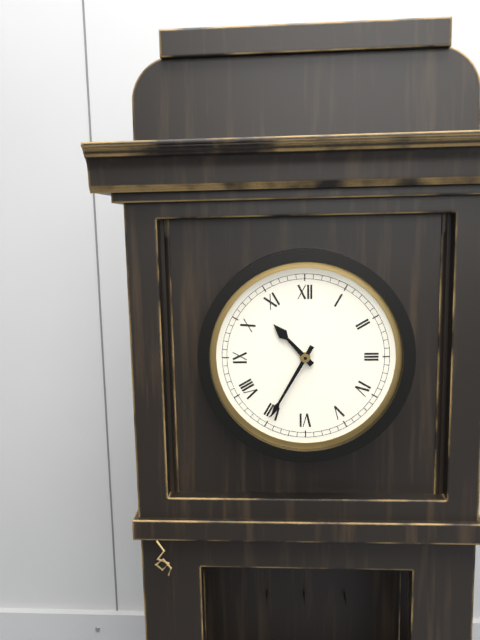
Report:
**10:35**
